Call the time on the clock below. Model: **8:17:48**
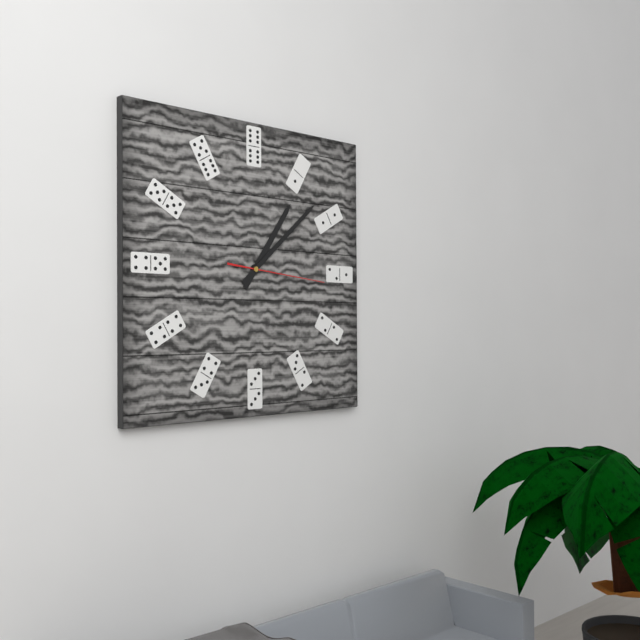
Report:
**1:08:16**
